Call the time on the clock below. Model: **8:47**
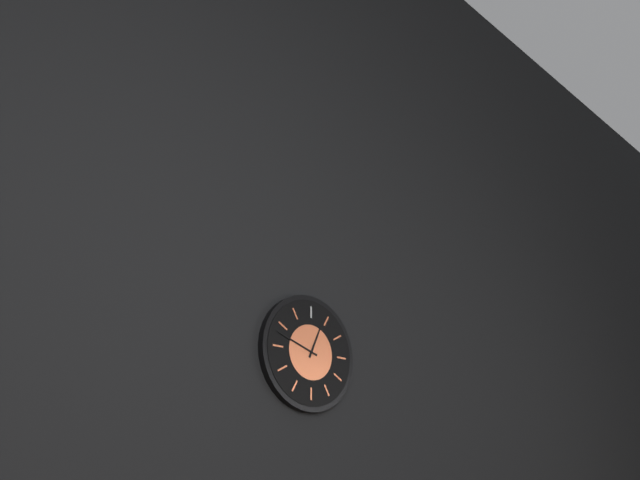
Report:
**12:48**
